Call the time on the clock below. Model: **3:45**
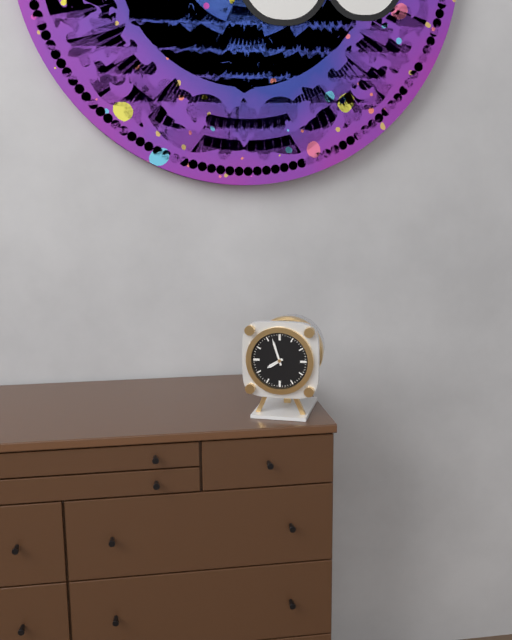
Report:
**7:57**
